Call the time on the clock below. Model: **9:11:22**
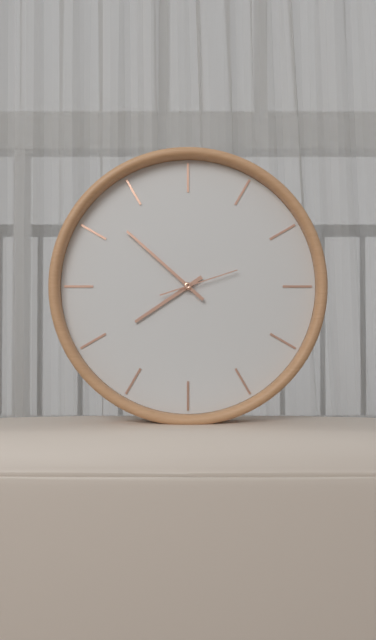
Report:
**7:52:12**
